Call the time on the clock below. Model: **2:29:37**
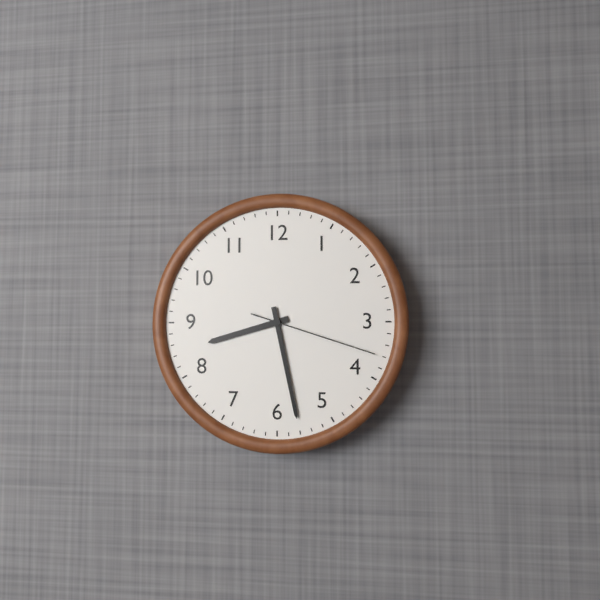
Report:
**8:28:18**
